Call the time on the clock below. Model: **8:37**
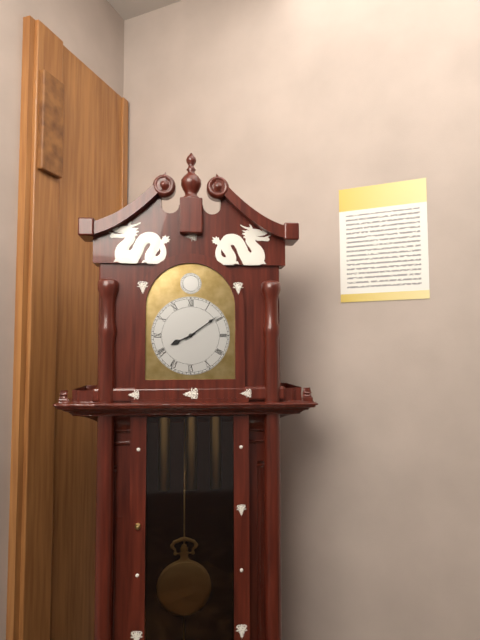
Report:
**8:09**
